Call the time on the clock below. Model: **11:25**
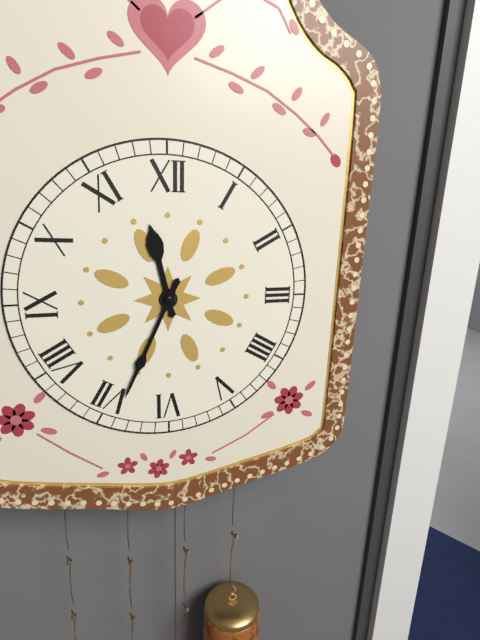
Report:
**11:34**
